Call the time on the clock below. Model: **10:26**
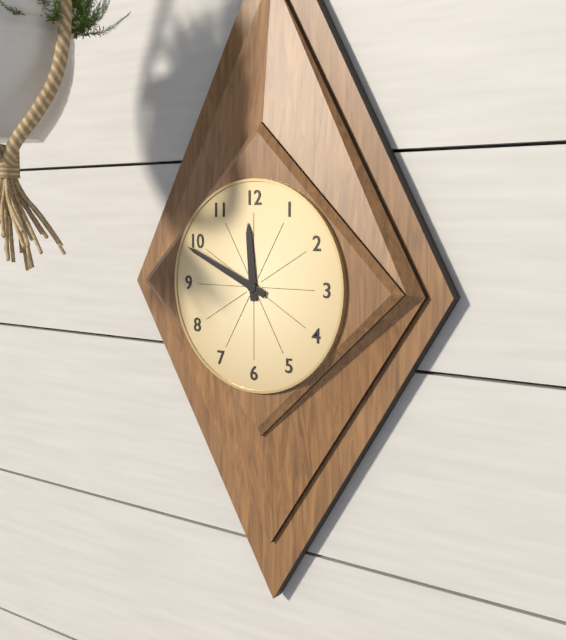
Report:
**11:49**
